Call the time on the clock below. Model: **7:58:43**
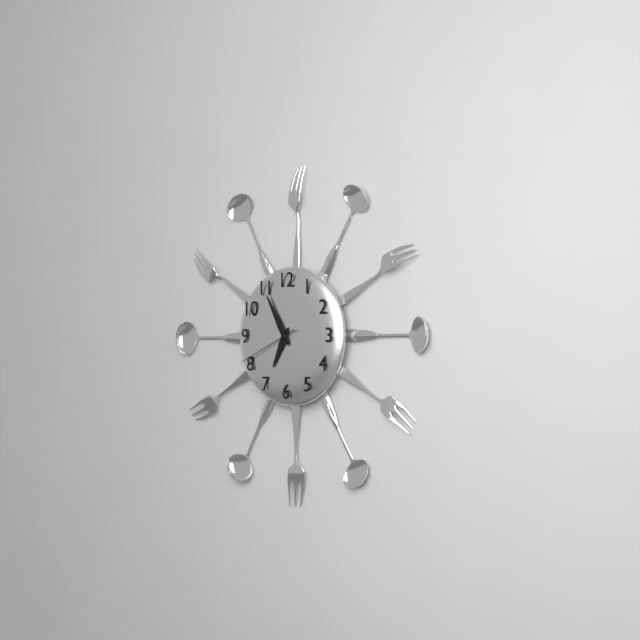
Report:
**6:55:41**
